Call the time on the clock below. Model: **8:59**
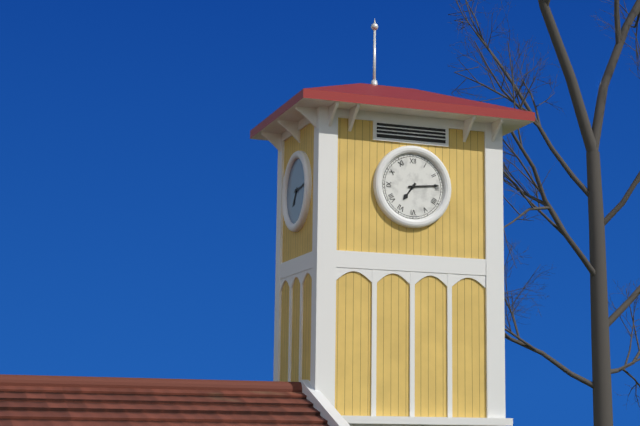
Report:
**7:14**
